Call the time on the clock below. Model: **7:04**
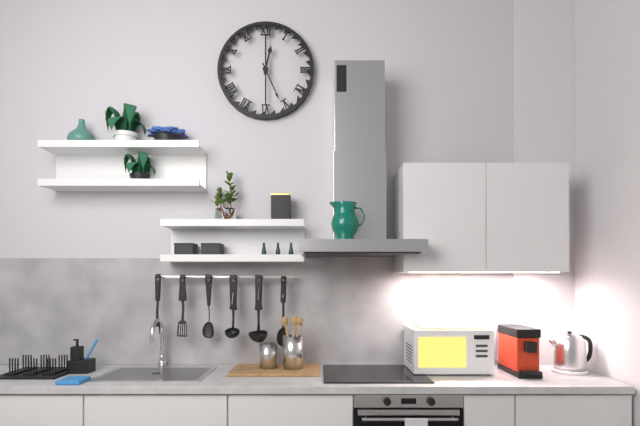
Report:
**12:26**
